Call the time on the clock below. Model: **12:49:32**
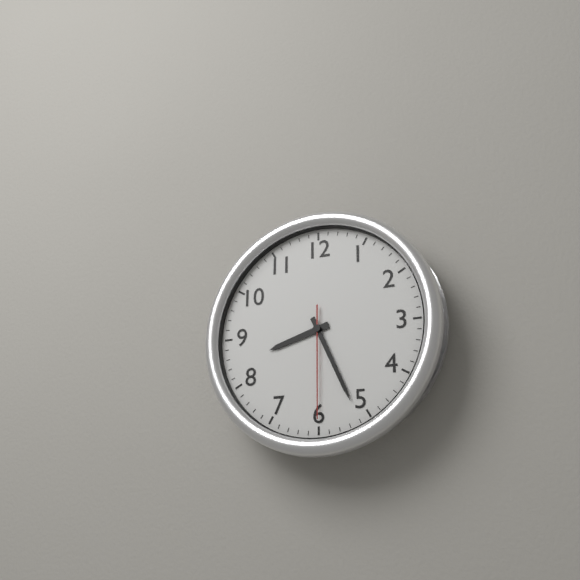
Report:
**8:26:30**
